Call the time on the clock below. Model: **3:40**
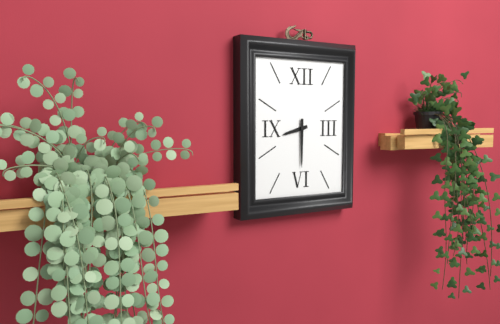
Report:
**8:30**
